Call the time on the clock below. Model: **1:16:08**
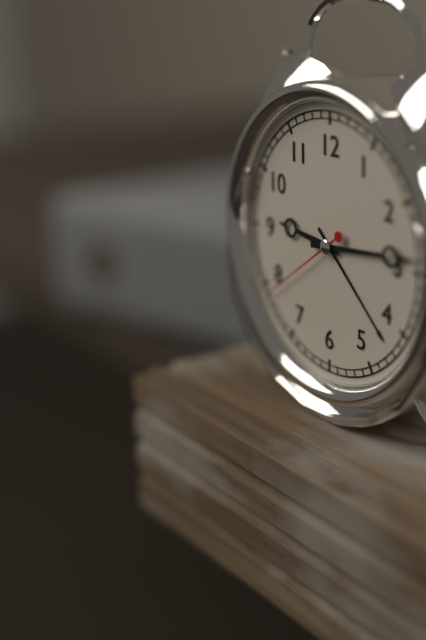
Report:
**9:14:39**
